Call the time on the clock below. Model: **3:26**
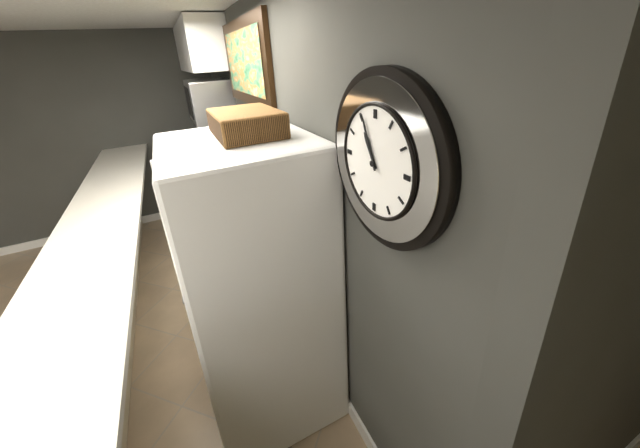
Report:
**10:56**
